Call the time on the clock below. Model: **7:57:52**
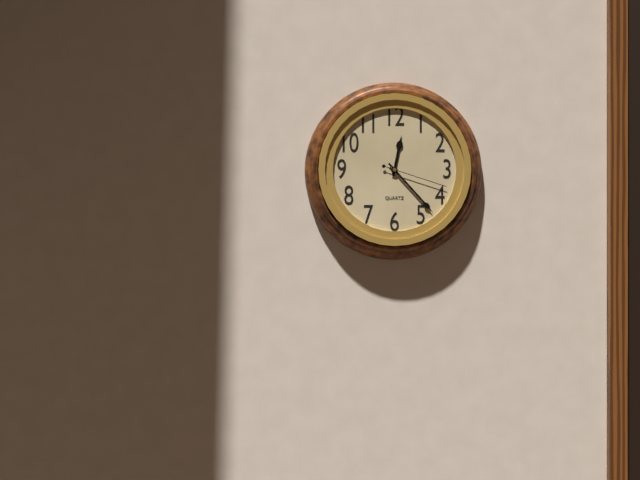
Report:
**12:23:18**
